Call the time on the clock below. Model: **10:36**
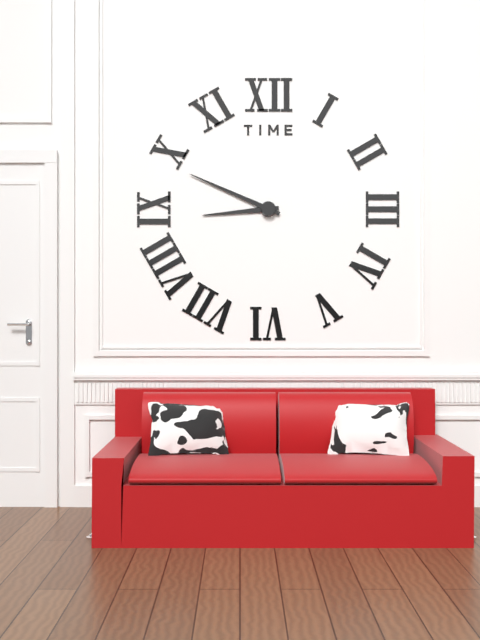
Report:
**8:49**
